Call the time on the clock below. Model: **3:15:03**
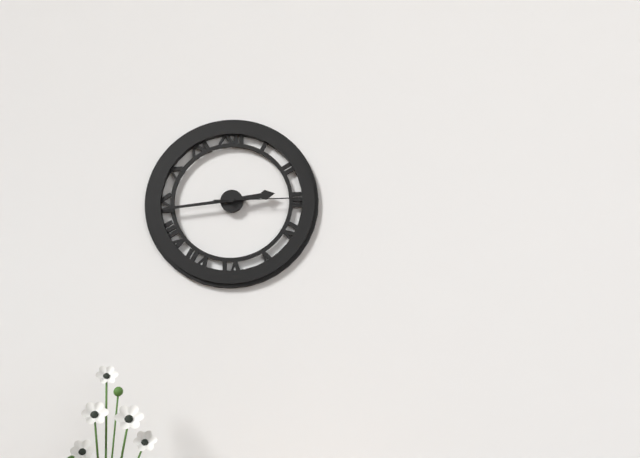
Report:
**2:44:15**
